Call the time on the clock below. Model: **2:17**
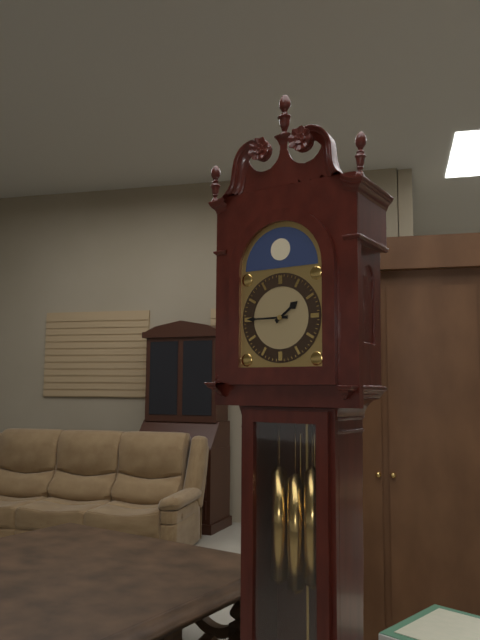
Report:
**1:45**
